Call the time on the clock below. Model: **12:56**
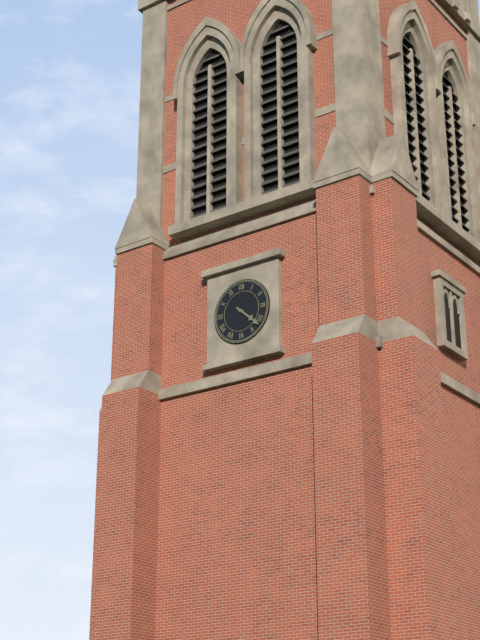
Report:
**4:22**
